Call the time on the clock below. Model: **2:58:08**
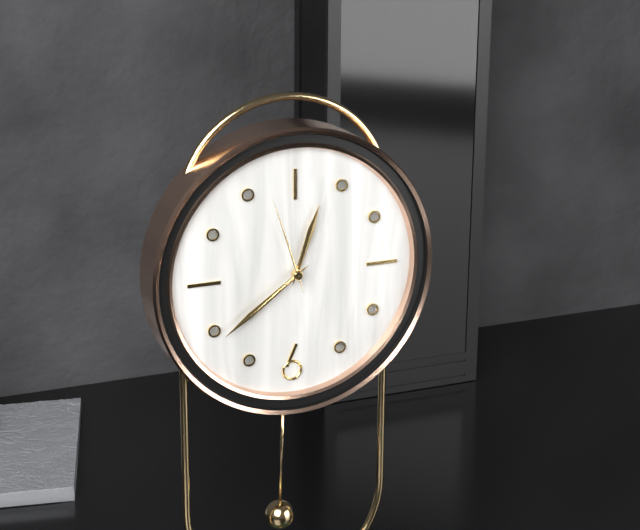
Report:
**12:39:57**
